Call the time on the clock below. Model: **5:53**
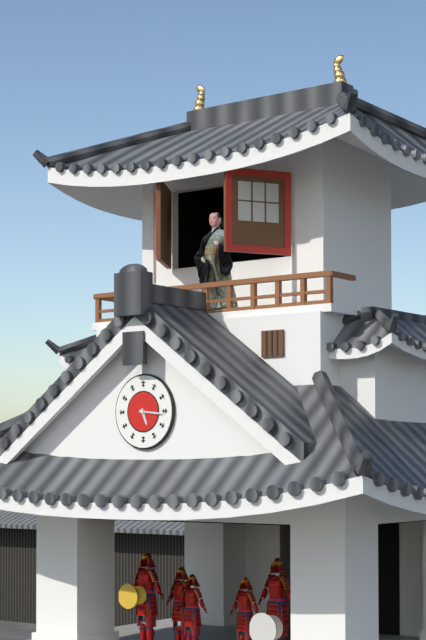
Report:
**5:16**
